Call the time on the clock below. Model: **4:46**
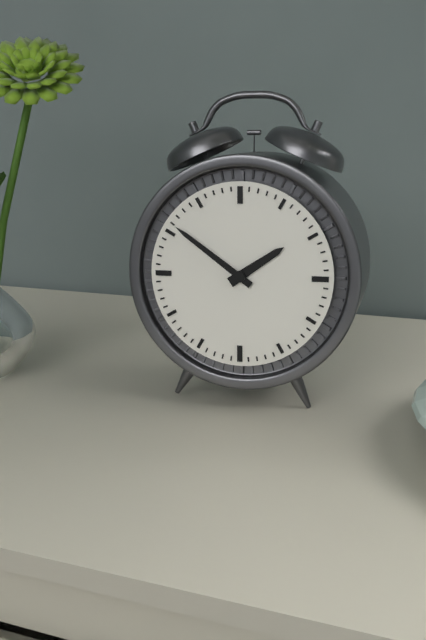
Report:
**1:51**
